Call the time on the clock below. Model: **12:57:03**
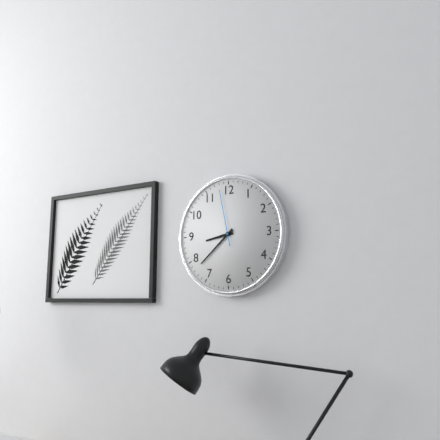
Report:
**8:38:58**
